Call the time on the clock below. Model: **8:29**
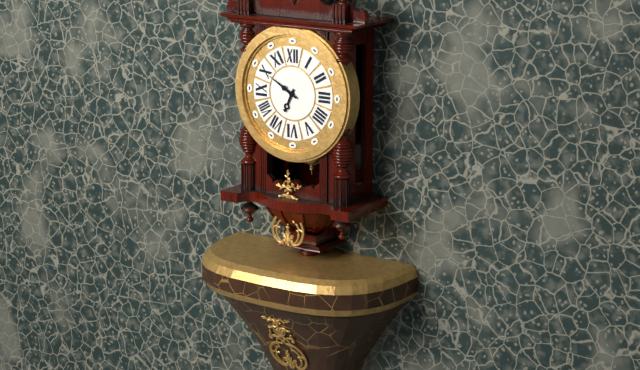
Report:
**6:50**
